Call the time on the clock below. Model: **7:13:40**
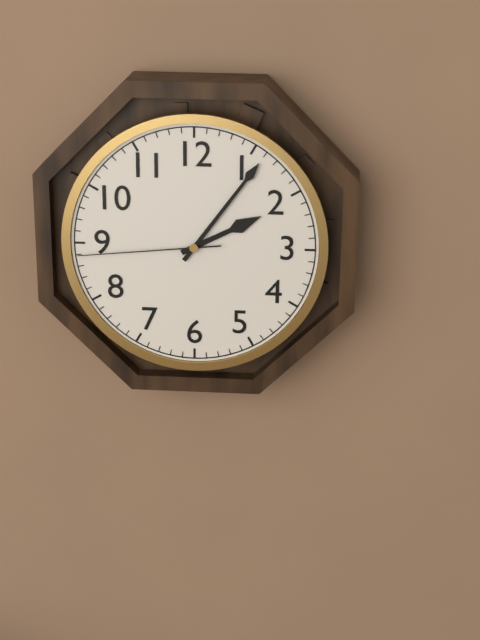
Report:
**2:06:44**
